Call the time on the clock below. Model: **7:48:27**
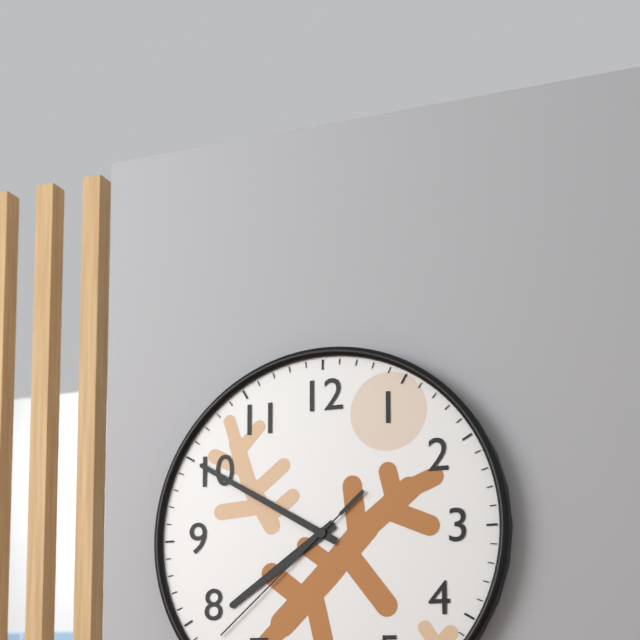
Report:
**7:50:38**
